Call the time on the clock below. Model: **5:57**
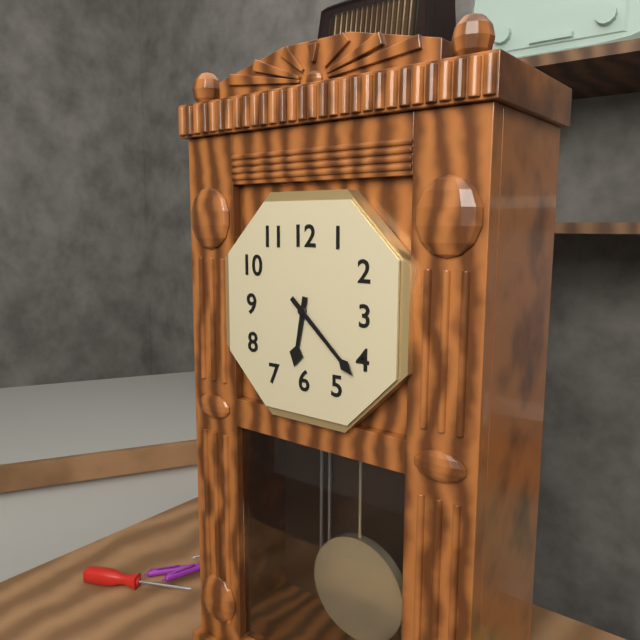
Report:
**6:22**
